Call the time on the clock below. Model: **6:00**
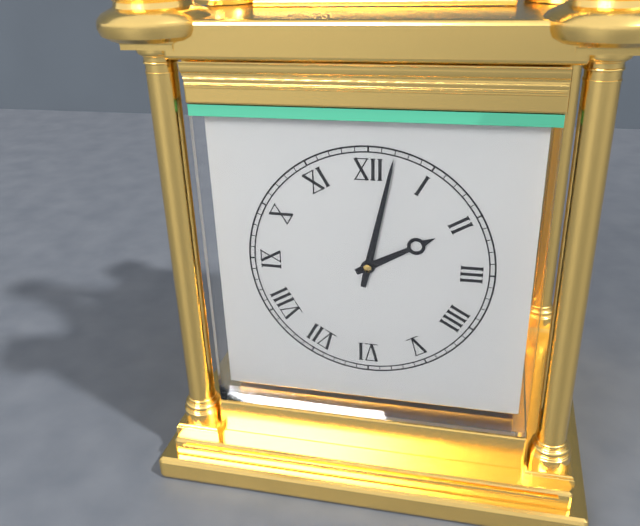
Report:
**2:02**
